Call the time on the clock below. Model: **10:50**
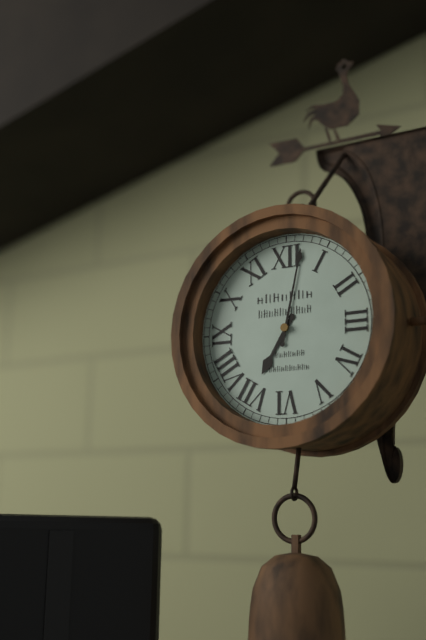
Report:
**7:02**
